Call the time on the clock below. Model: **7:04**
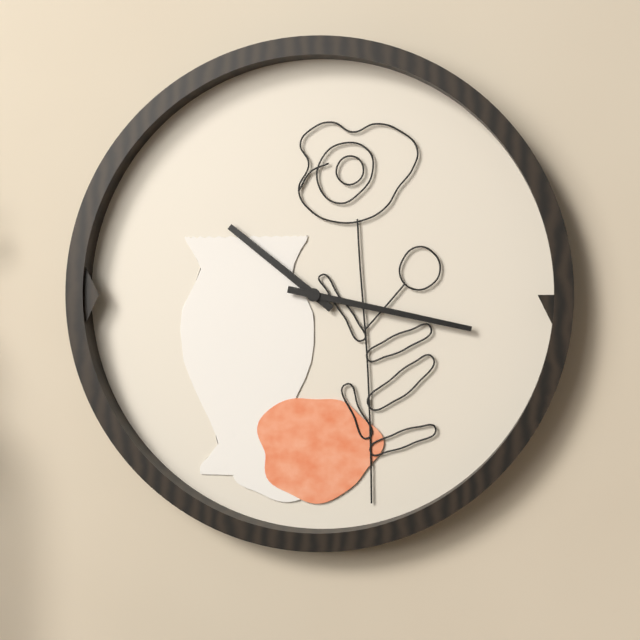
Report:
**10:17**
